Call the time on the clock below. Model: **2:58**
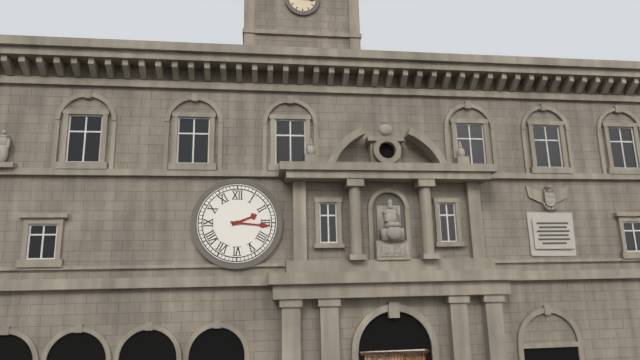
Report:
**2:16**
